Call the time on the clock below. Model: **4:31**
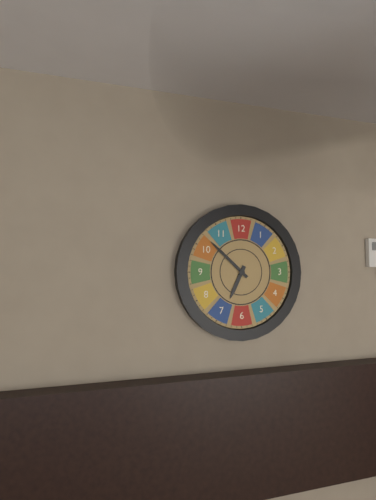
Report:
**6:52**
